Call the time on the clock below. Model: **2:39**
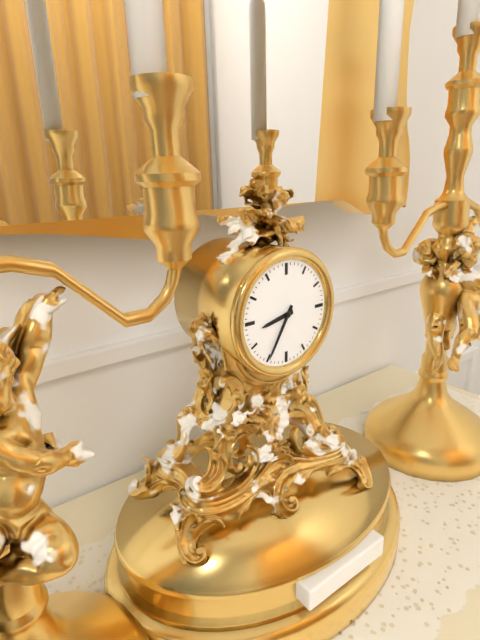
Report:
**8:35**
